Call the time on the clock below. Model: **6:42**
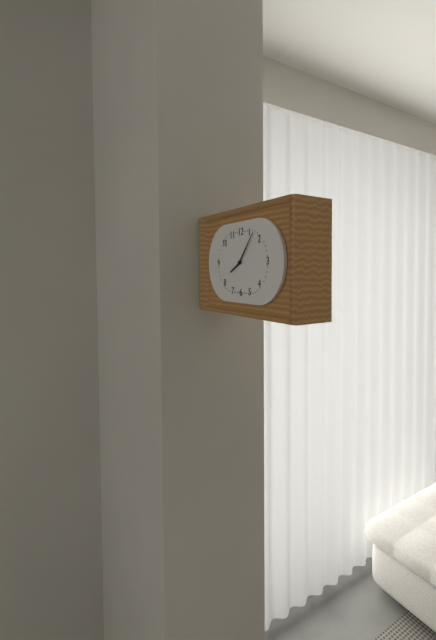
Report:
**8:07**
